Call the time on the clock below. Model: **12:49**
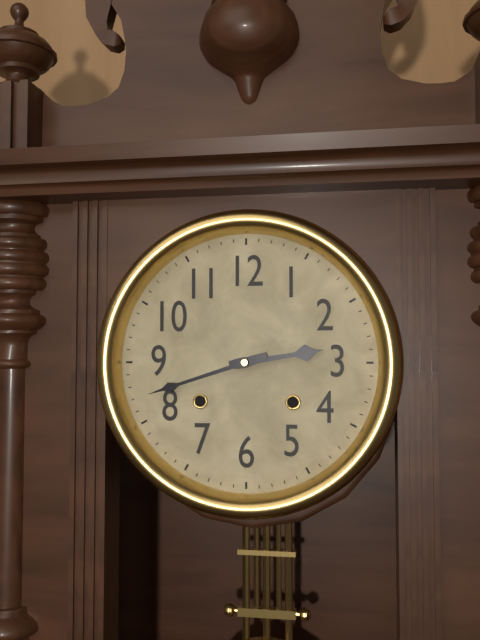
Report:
**2:42**
